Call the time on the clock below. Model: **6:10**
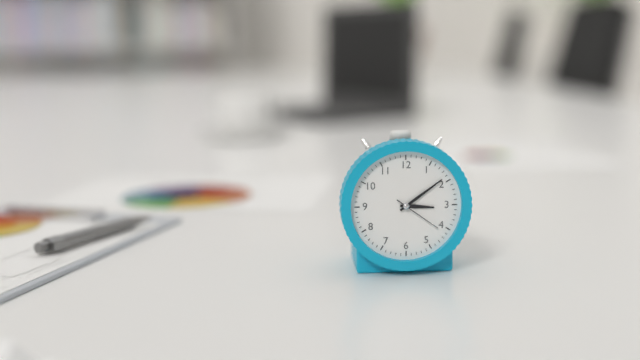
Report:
**3:09**
